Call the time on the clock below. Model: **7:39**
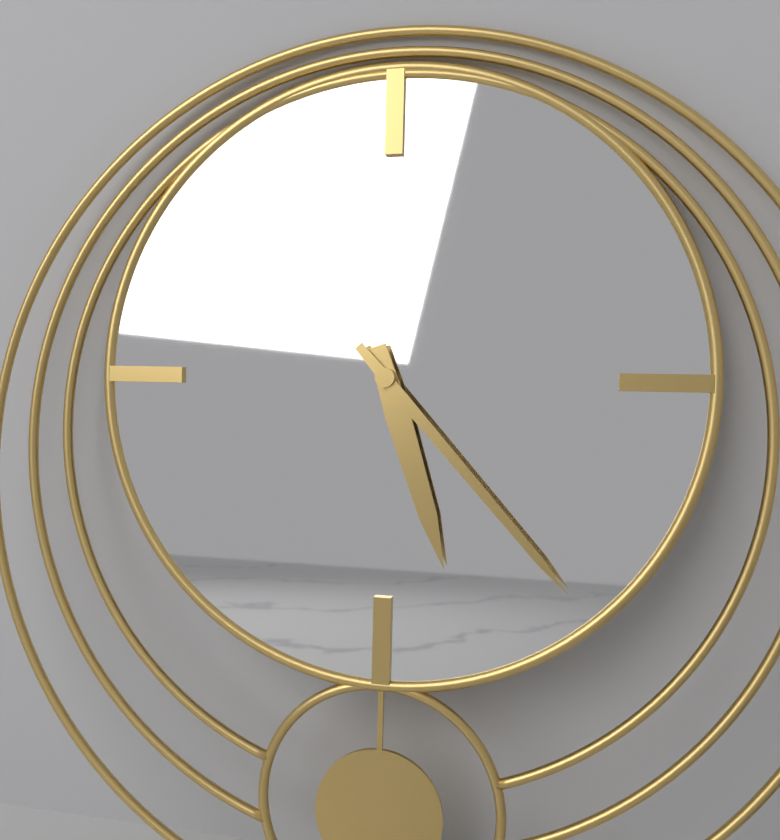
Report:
**5:23**
